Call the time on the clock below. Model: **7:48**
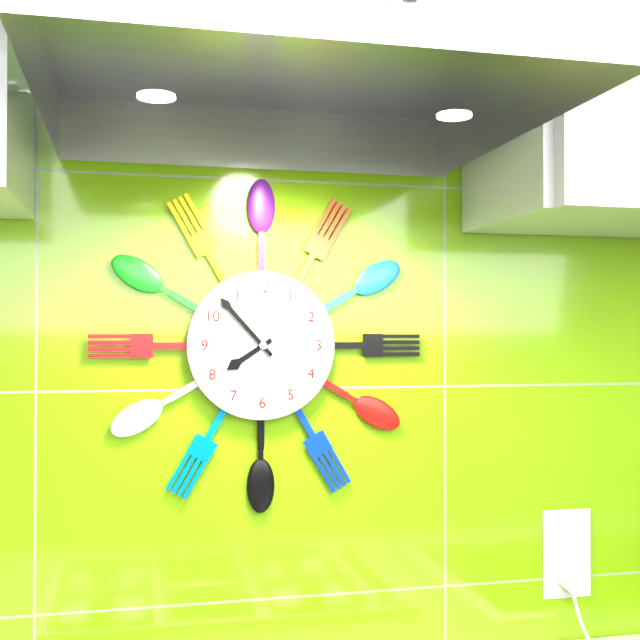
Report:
**7:53**
